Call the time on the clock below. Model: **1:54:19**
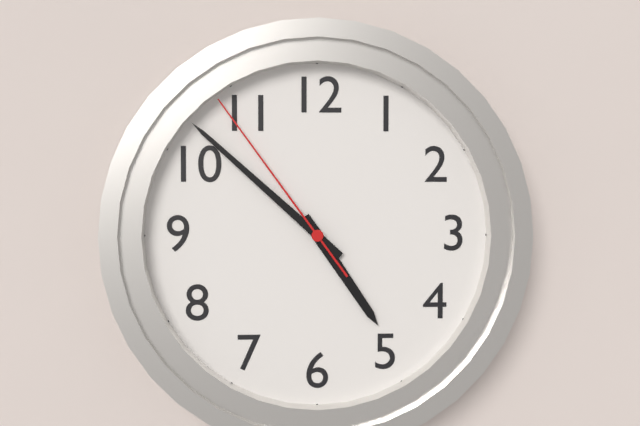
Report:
**4:52:54**
